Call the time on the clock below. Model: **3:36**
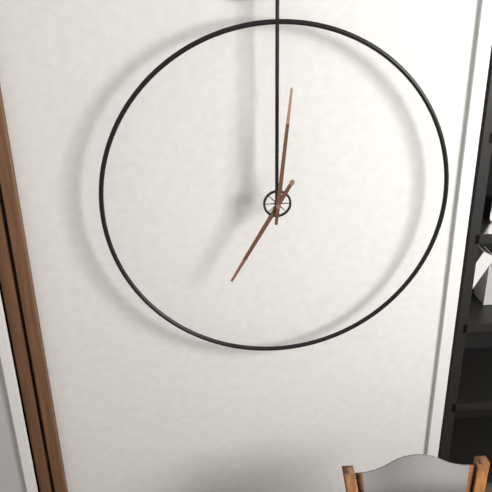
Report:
**7:01**
